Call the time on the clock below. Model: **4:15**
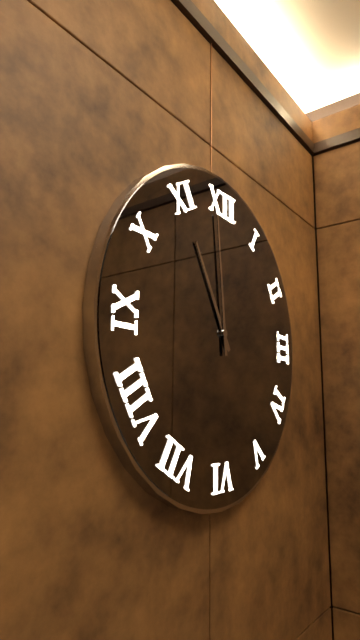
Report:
**10:59**
